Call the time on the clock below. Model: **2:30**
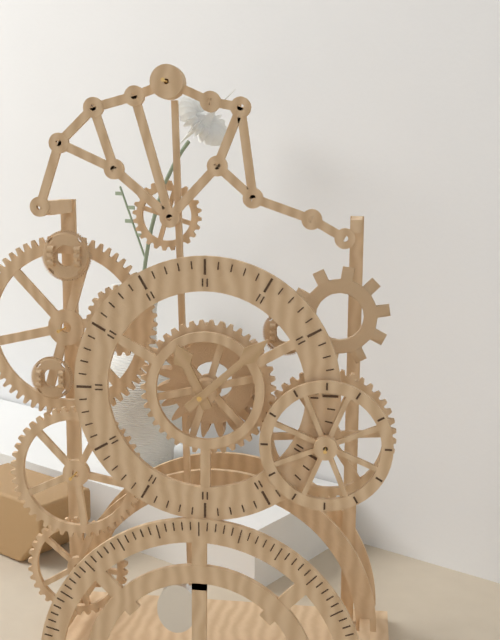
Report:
**11:08**
